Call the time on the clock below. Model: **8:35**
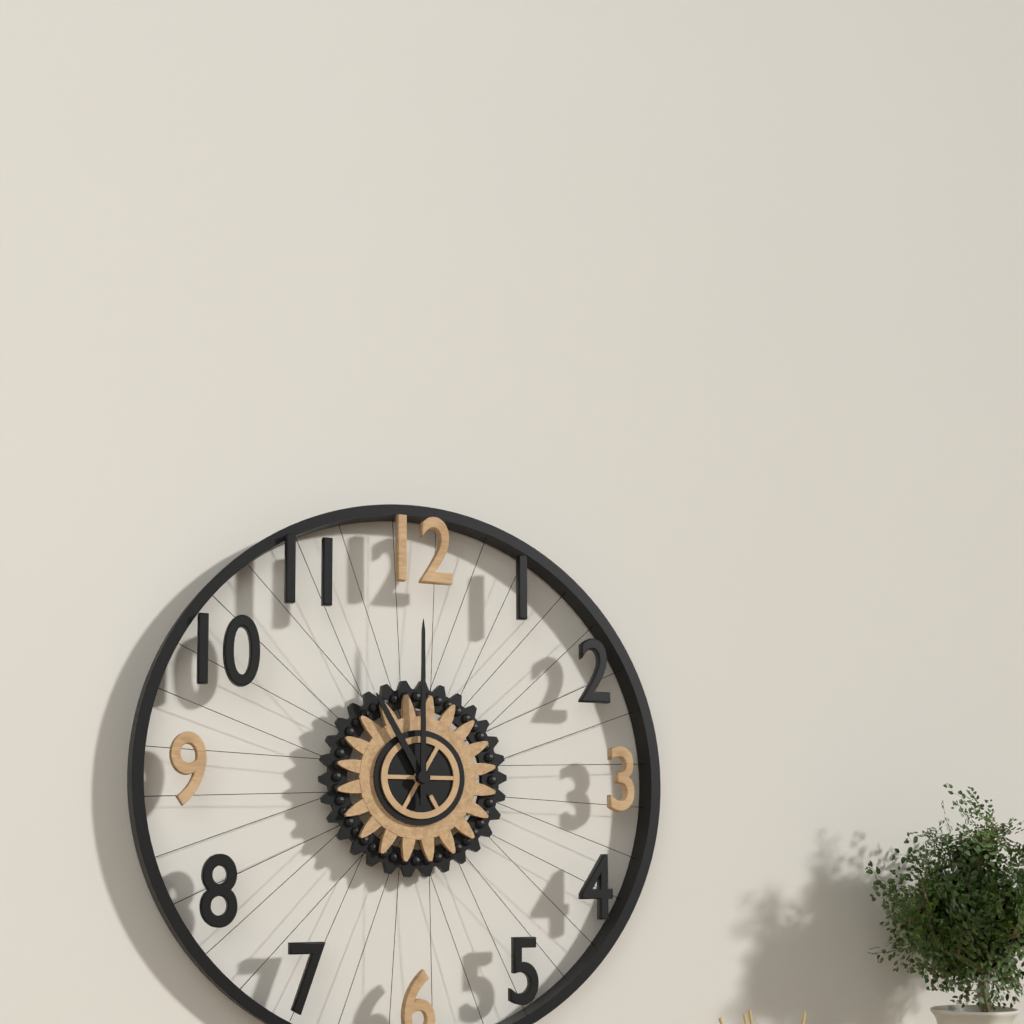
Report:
**11:00**
